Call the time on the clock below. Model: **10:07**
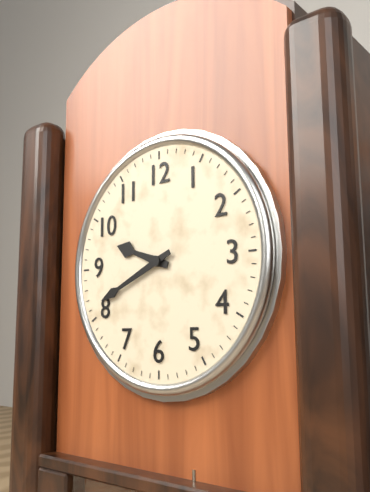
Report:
**9:41**
